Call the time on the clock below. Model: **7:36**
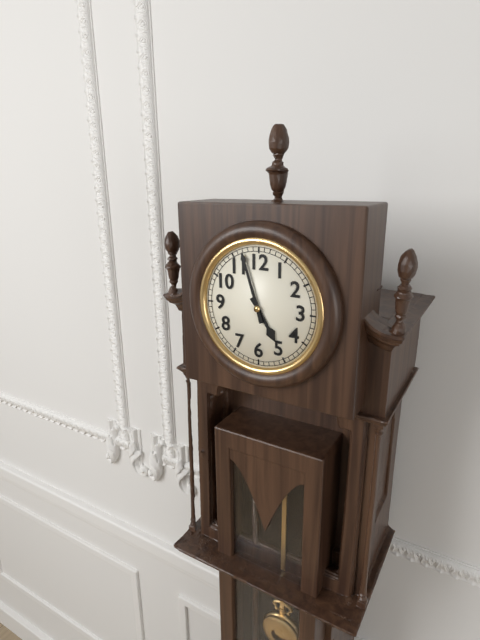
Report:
**4:57**
